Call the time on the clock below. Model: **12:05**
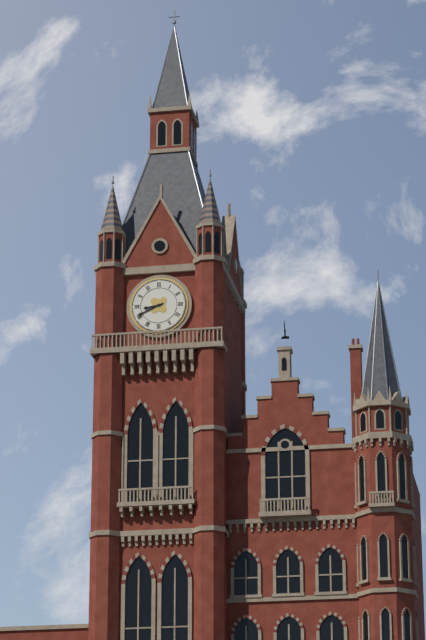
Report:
**8:41**
